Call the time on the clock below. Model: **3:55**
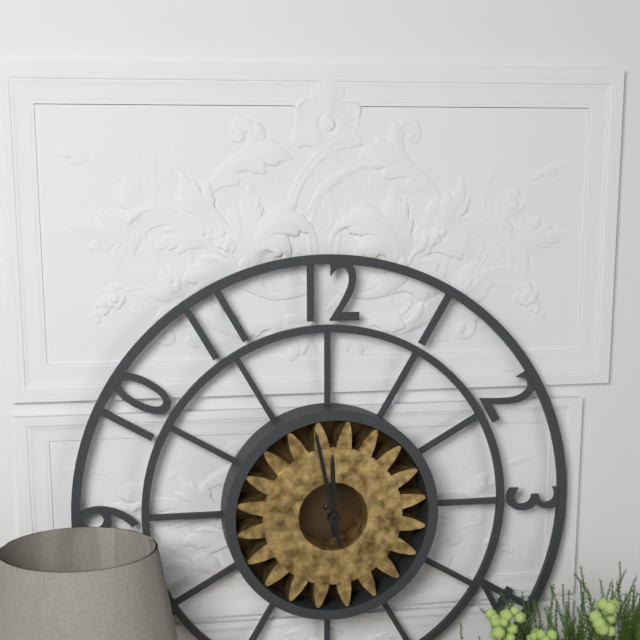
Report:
**11:58**
